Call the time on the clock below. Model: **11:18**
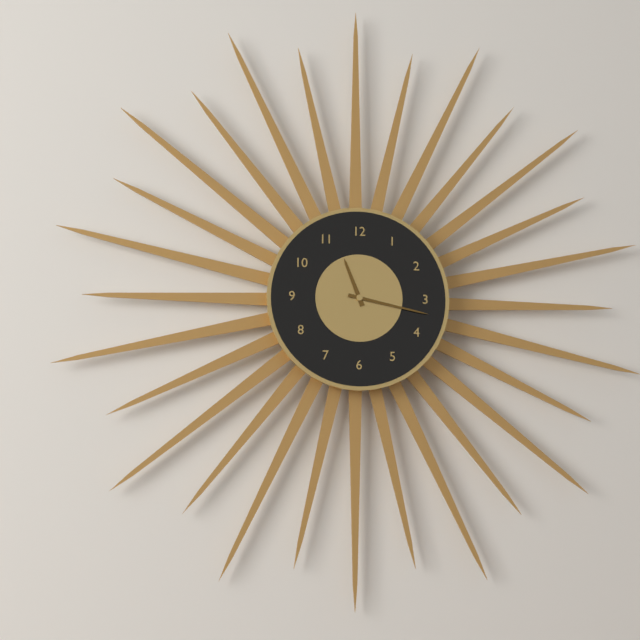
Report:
**11:17**
